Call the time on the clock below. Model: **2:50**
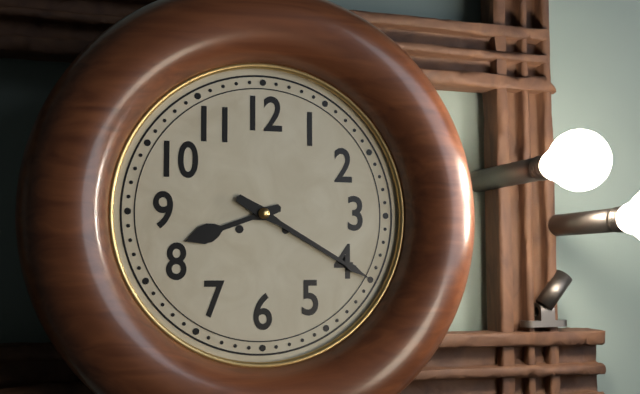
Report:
**8:20**
